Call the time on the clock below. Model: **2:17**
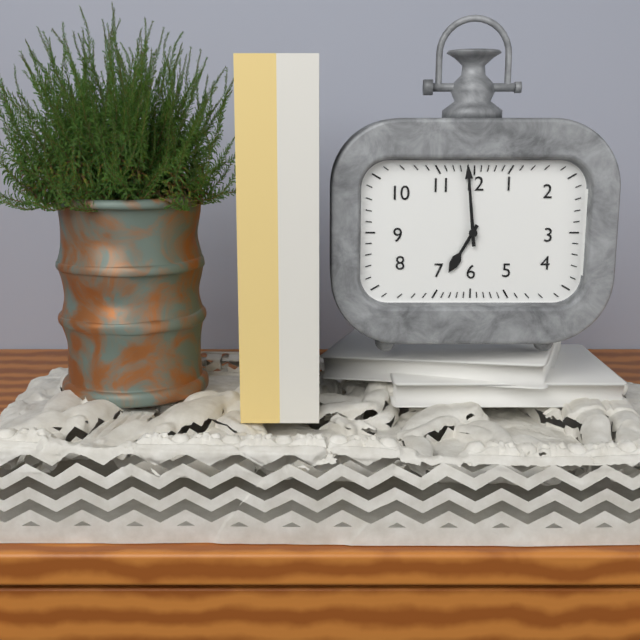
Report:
**6:59**
